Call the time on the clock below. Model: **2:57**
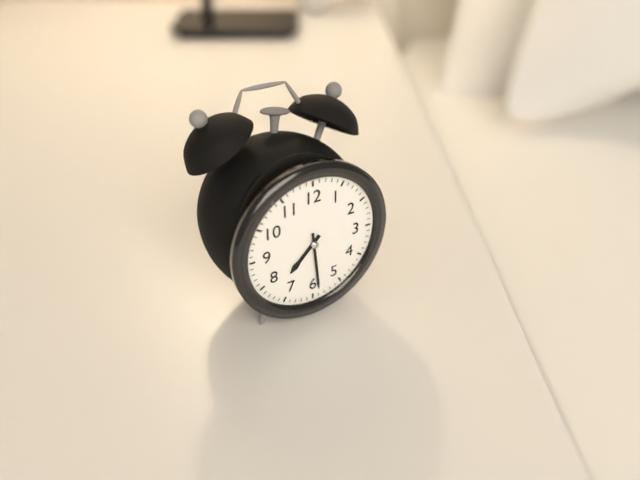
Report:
**7:29**
